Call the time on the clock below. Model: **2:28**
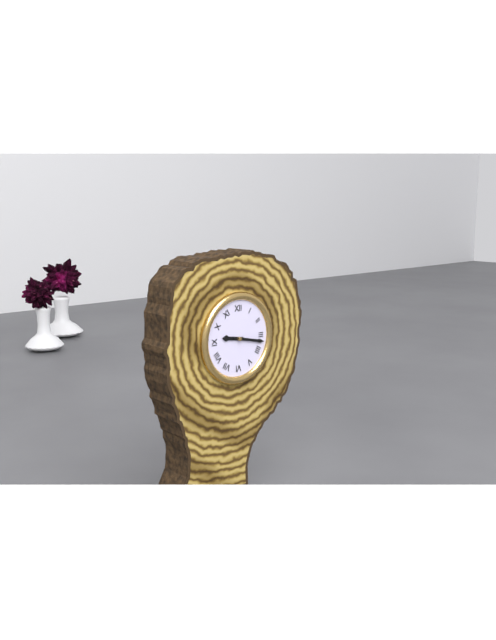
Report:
**9:17**
